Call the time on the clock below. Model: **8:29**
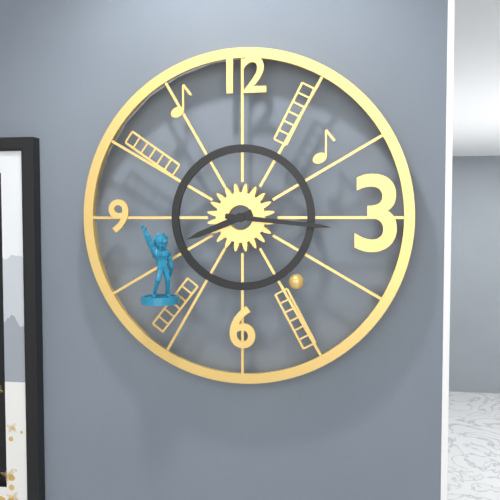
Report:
**8:16**
